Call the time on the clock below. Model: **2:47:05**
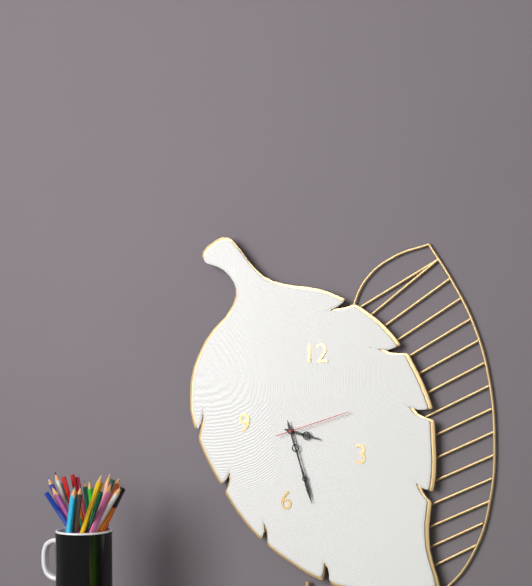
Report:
**3:27:12**
